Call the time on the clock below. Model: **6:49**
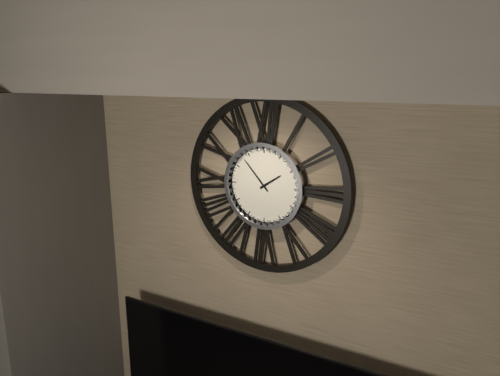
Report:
**1:53**
